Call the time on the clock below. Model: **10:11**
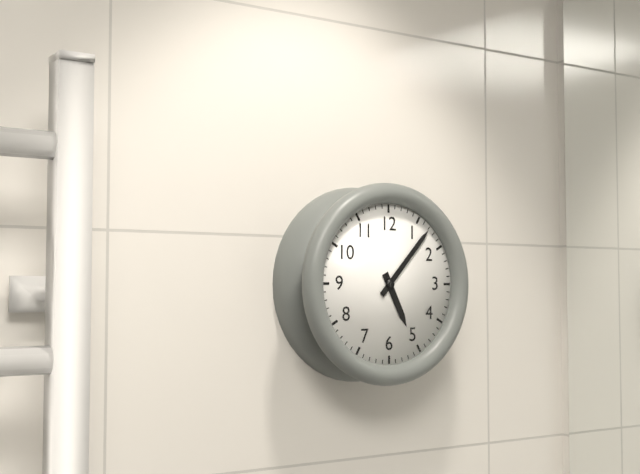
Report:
**5:07**
